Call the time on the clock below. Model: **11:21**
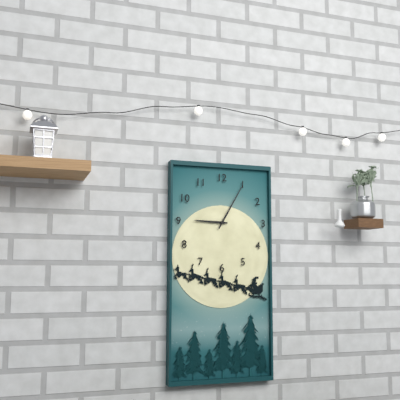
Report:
**9:05**
